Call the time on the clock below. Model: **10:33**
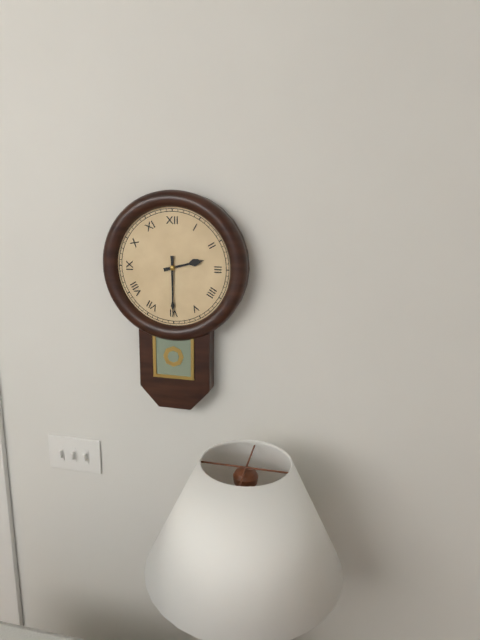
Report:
**2:30**
